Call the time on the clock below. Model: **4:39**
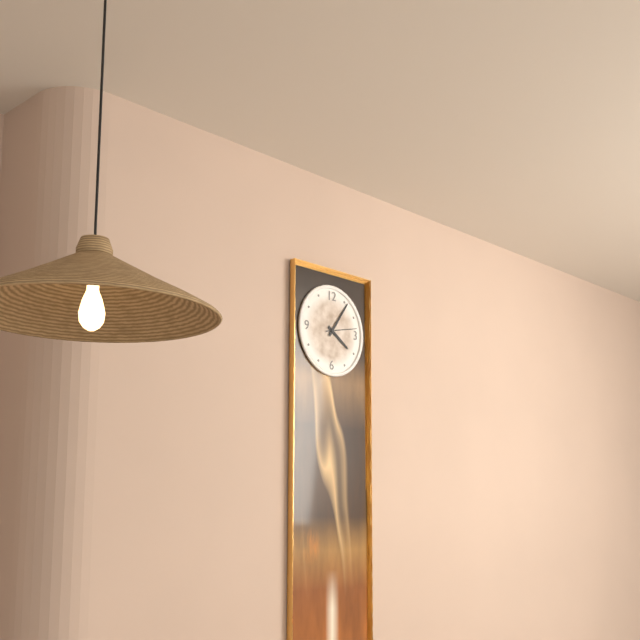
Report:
**4:06**
